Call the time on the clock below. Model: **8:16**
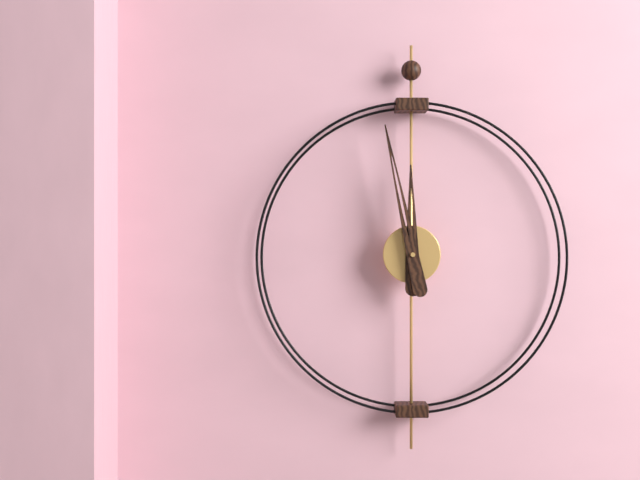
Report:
**11:58**
